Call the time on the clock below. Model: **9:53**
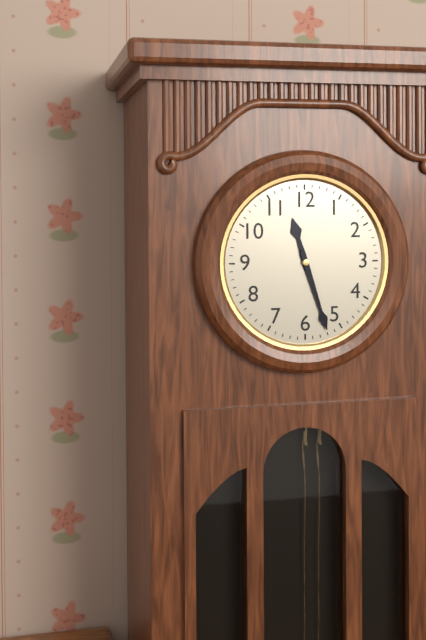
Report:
**11:27**
